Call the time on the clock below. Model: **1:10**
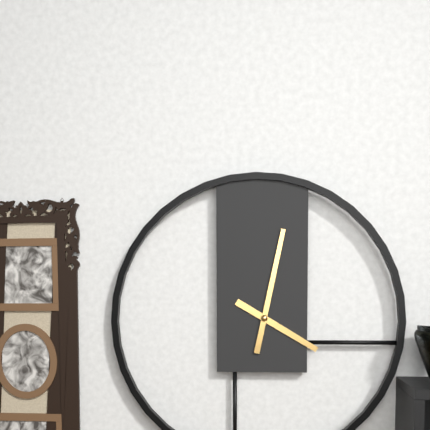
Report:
**4:02**
